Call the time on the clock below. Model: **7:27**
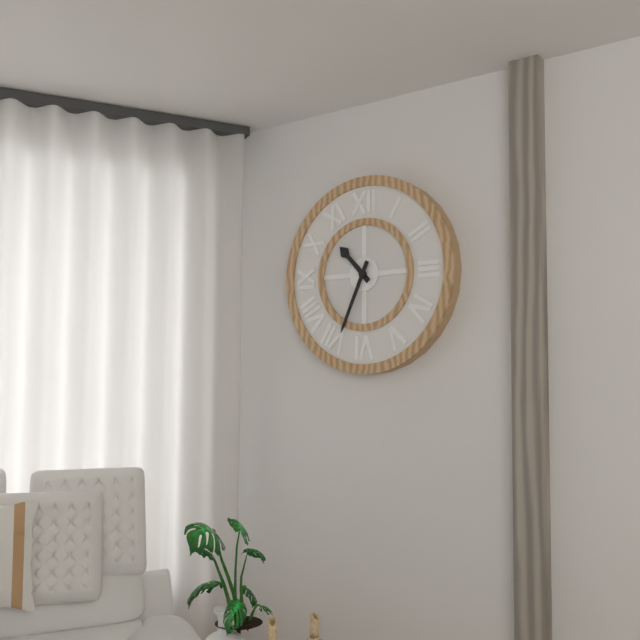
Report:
**10:34**
